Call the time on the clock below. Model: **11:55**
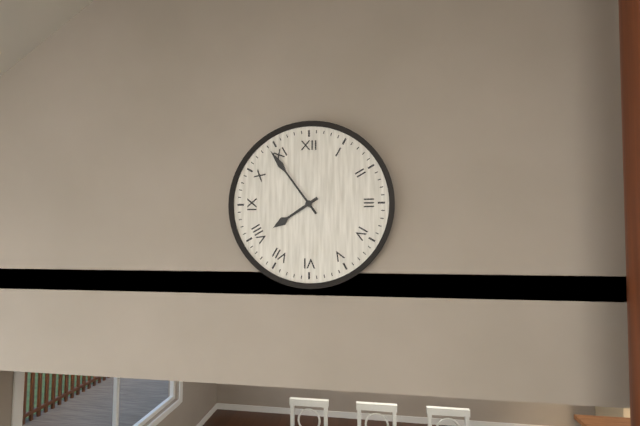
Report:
**7:54**
